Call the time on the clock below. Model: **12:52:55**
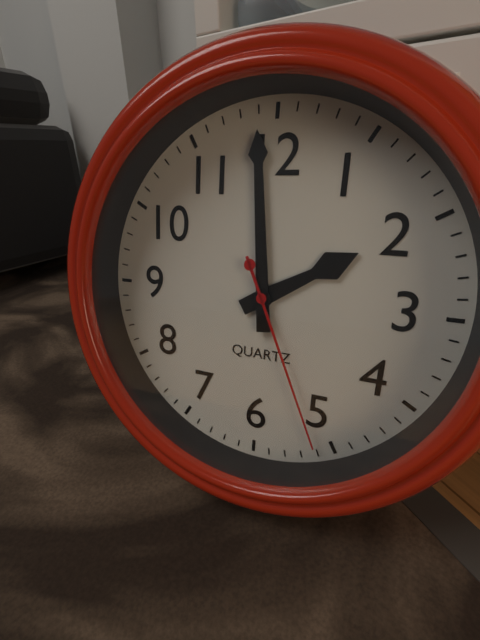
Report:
**1:59:26**
